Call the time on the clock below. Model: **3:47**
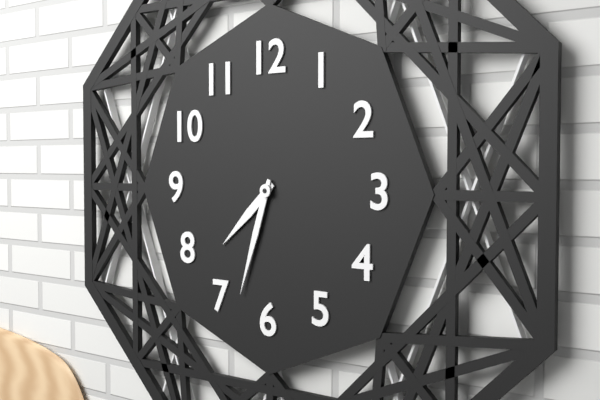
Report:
**7:33**
